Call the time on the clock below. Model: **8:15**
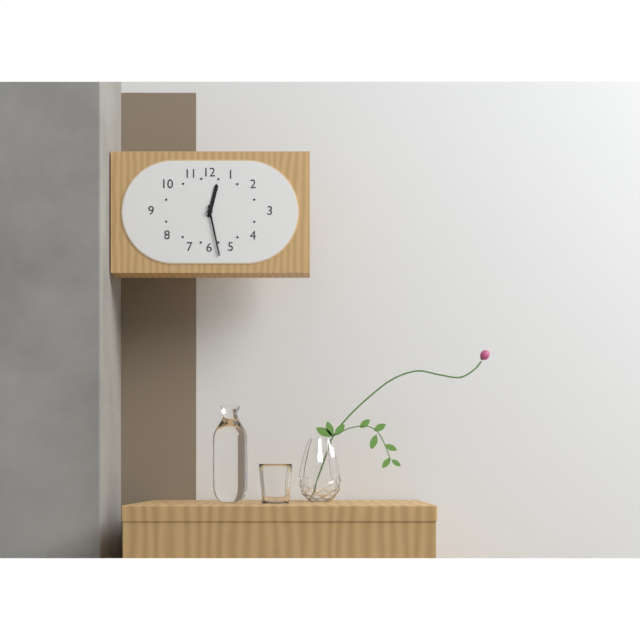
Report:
**12:28**
